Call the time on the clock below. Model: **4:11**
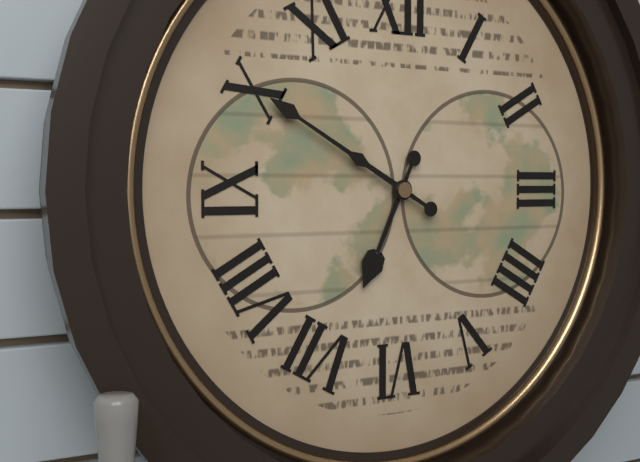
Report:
**6:50**
